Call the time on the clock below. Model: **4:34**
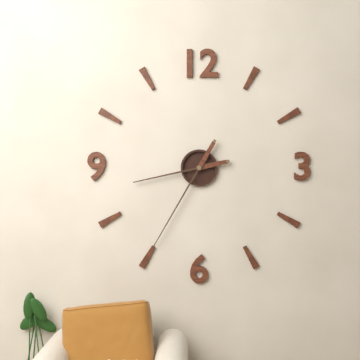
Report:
**8:35**
